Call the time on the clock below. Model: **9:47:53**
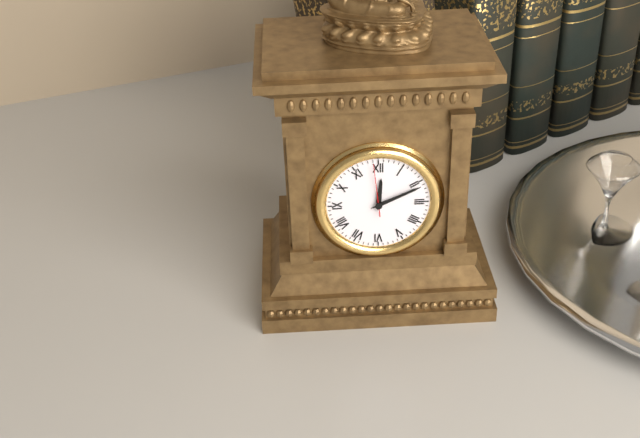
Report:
**12:11:59**
